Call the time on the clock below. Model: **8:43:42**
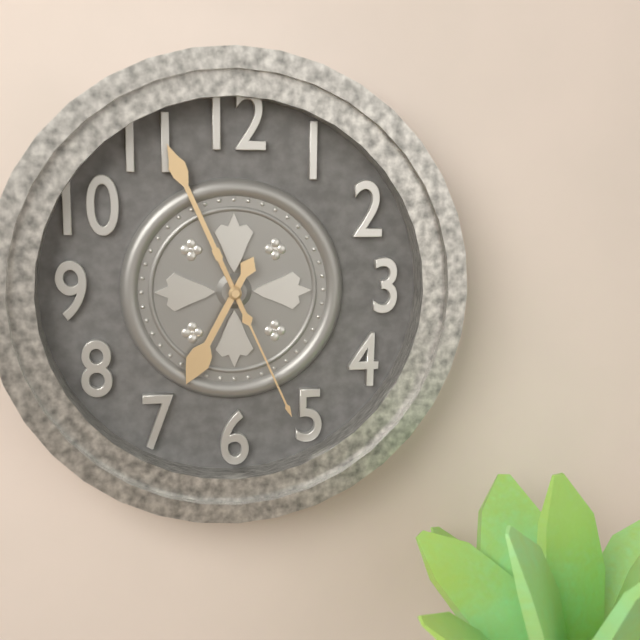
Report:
**6:56:26**
